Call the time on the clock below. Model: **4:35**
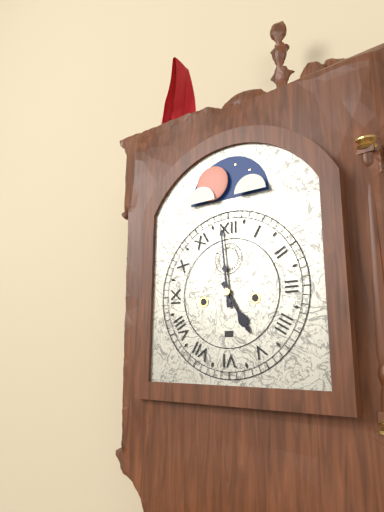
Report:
**4:59**
